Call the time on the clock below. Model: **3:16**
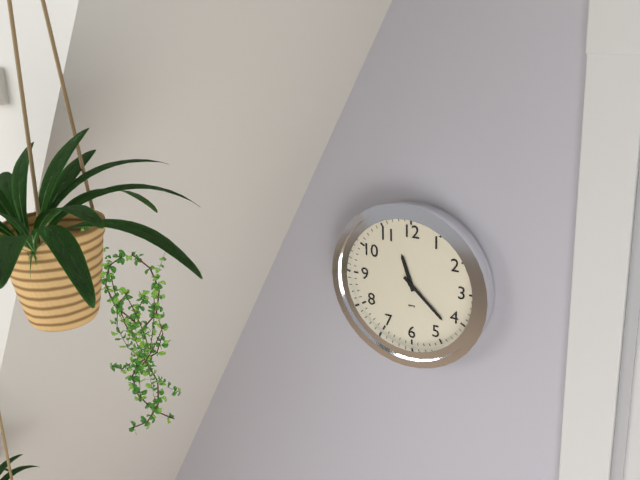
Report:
**11:22**
